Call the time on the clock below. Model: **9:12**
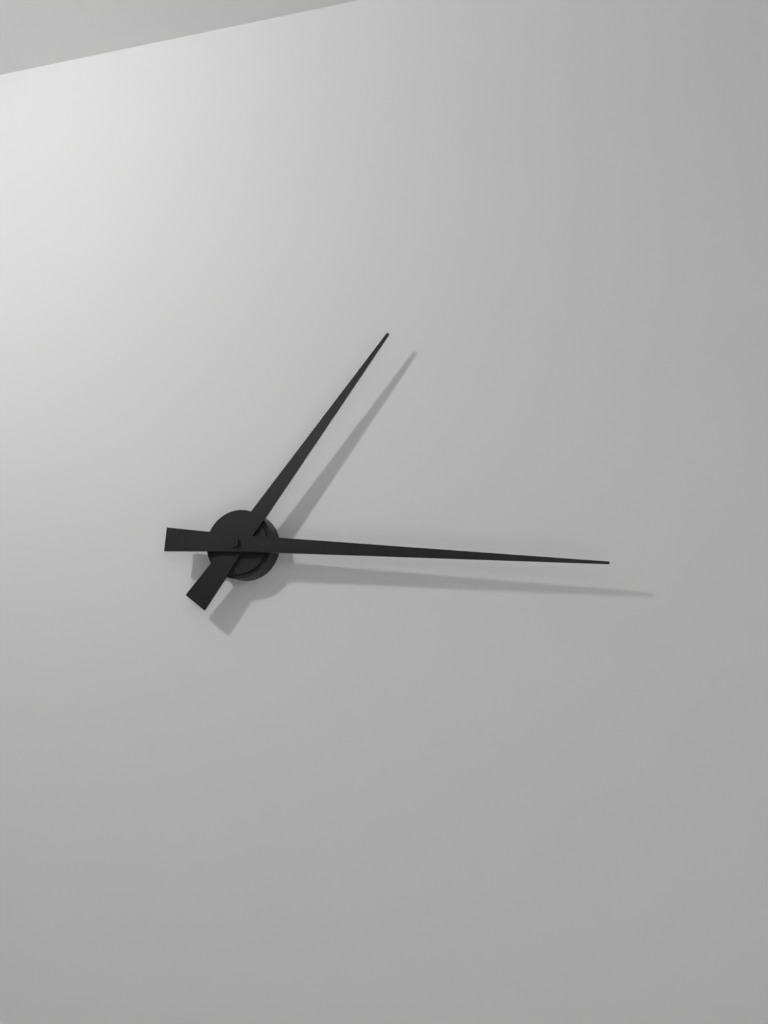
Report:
**1:16**
